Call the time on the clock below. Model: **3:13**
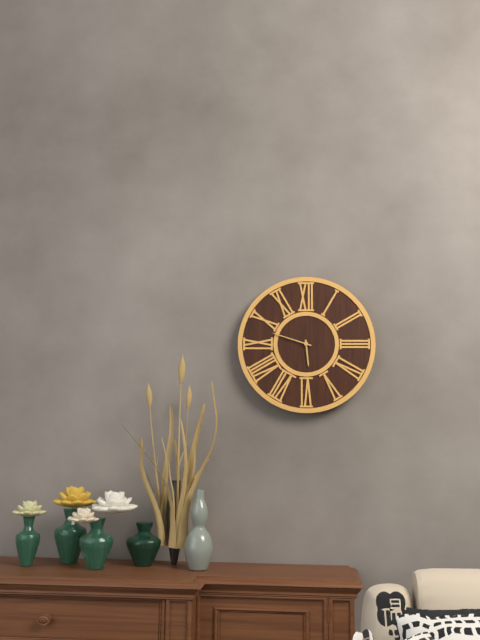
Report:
**5:48**
